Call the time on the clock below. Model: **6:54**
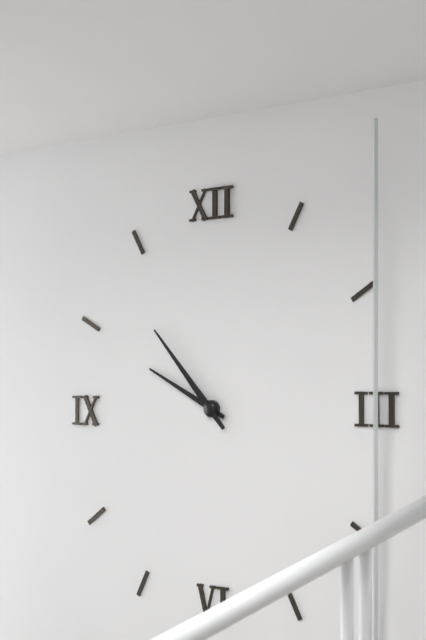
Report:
**9:53**
